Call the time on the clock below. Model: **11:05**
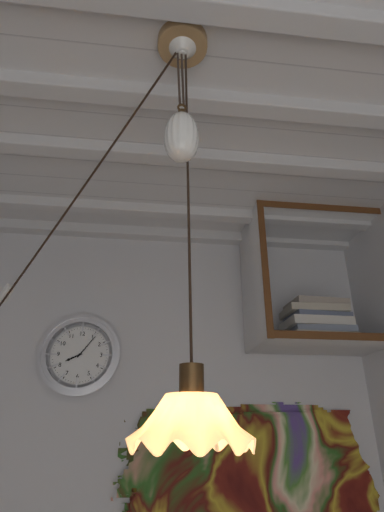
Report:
**8:06**
